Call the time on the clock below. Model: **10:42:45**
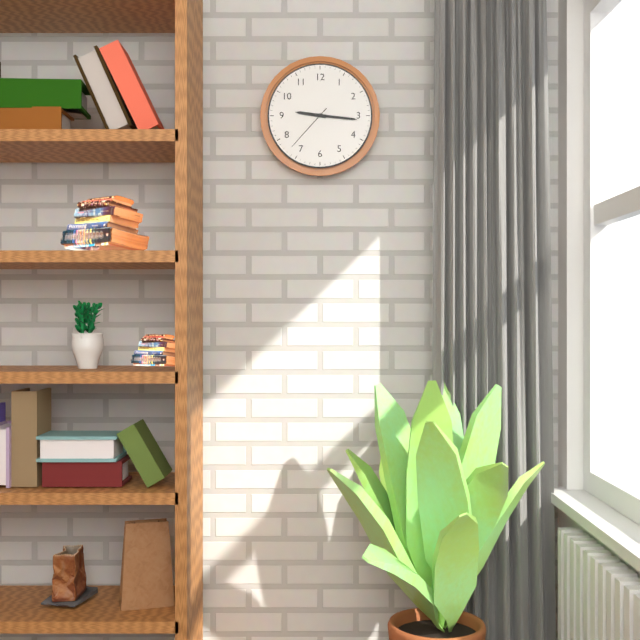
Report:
**9:16:37**
